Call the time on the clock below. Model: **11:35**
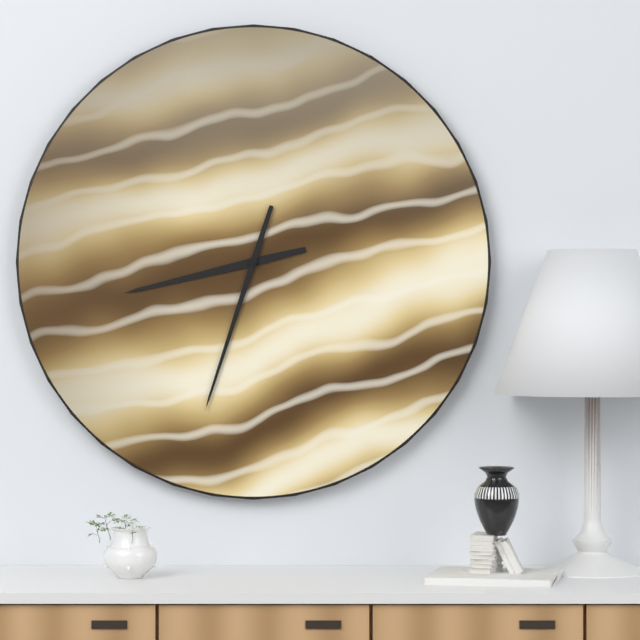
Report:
**8:33**
